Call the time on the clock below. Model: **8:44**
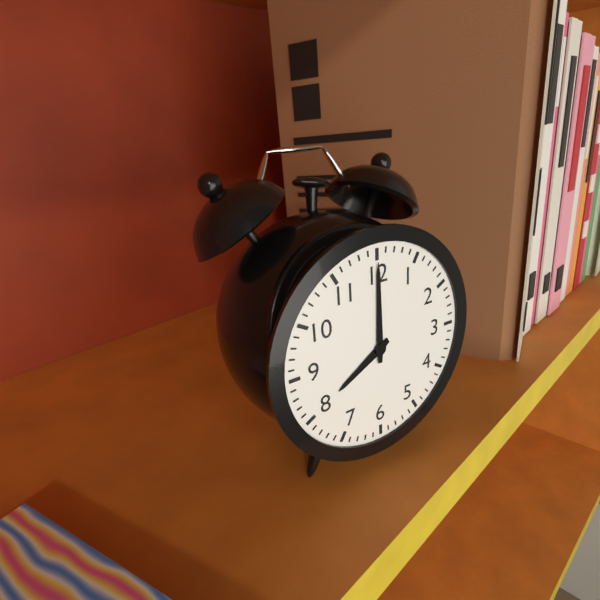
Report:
**8:00**
